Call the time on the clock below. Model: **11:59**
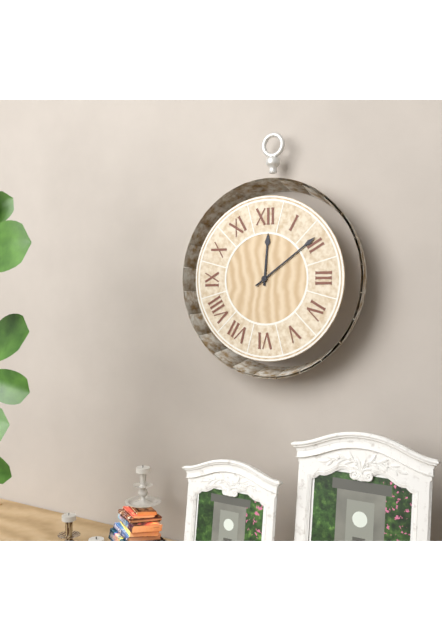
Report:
**12:09**
